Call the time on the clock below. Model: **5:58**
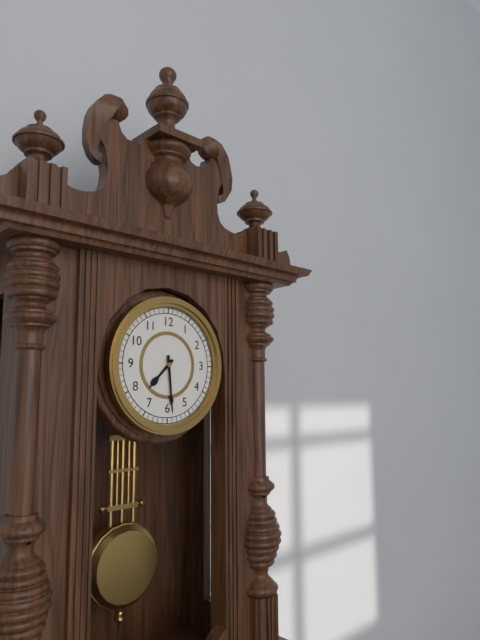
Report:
**7:29**
